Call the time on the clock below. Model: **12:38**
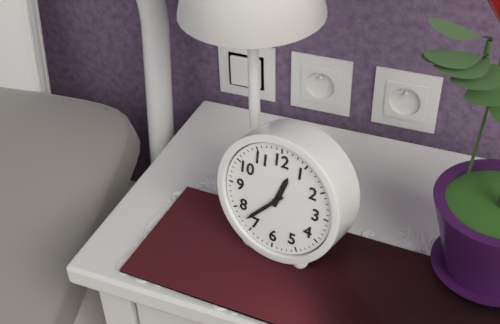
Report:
**12:37**
